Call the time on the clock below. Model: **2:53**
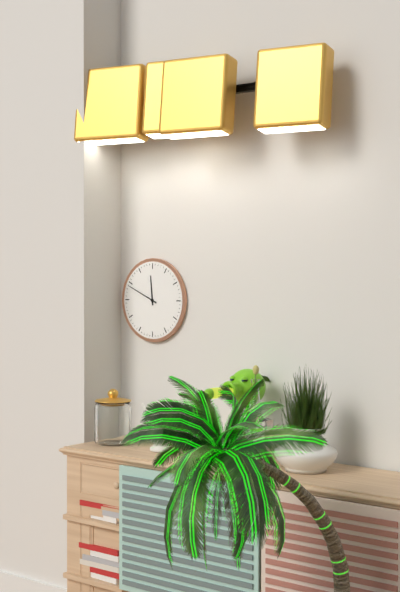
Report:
**11:49**
